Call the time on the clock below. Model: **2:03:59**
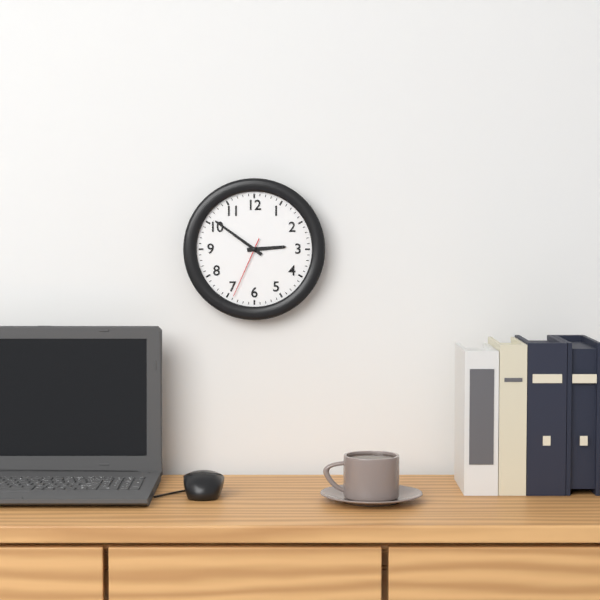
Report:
**2:51:34**
